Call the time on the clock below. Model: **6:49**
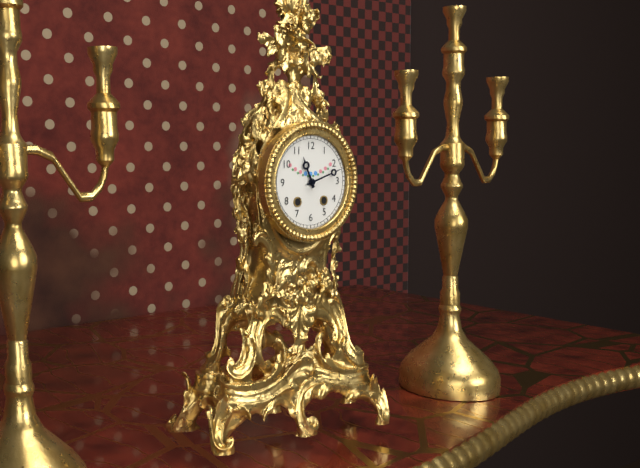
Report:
**11:12**
